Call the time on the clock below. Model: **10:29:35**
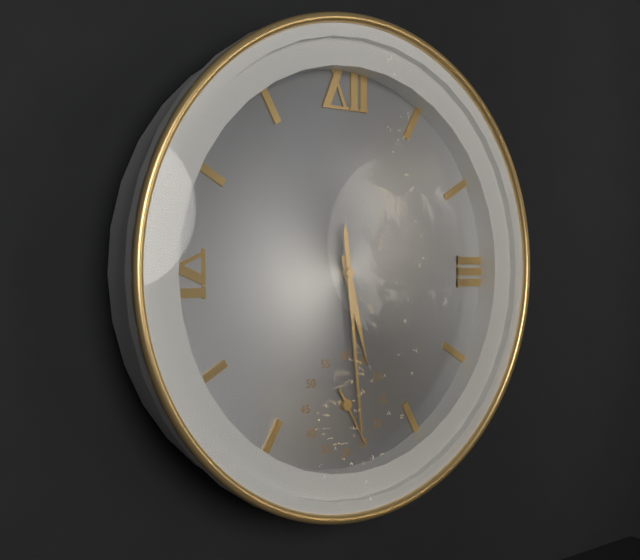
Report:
**5:29:25**
